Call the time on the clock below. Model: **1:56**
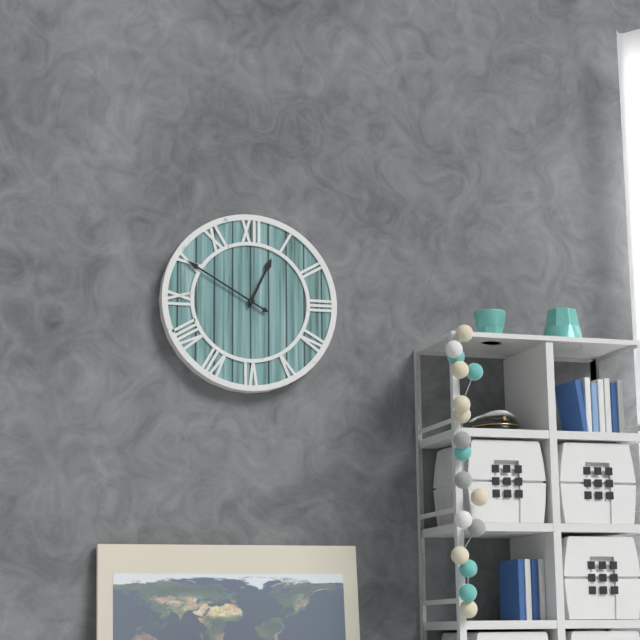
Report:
**12:50**
